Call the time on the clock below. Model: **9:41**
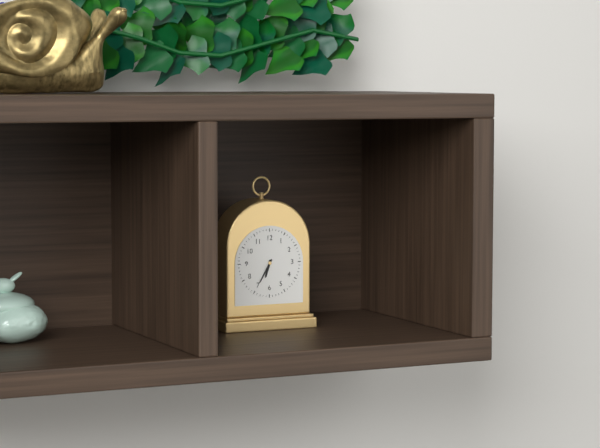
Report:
**6:35**
